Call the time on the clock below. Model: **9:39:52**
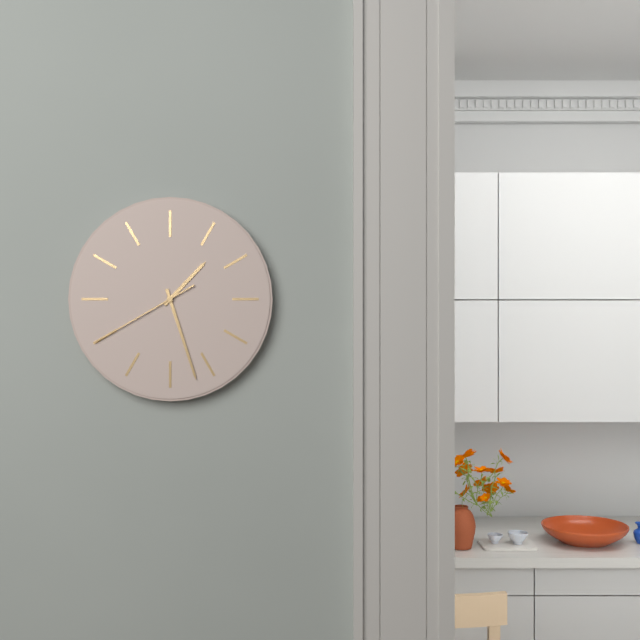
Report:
**1:27:40**
